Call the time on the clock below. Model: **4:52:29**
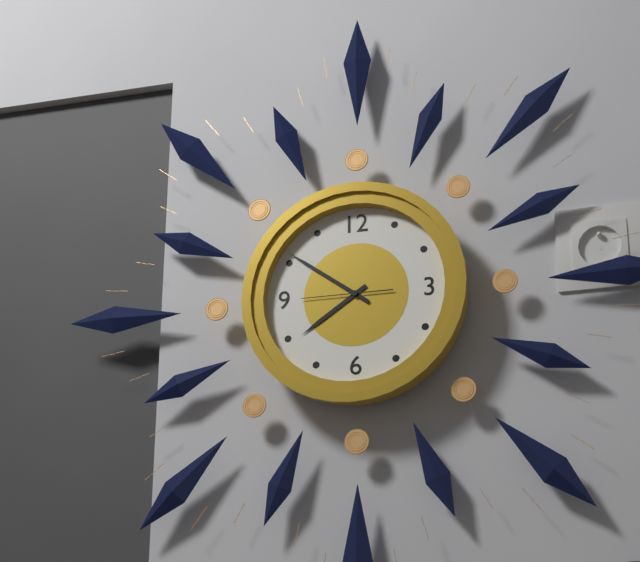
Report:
**7:51:45**
